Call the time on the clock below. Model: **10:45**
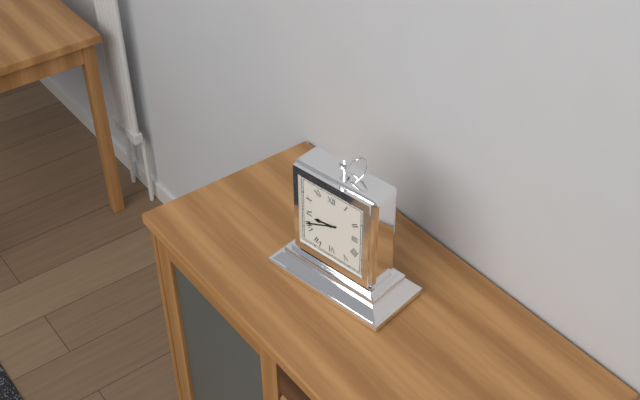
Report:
**8:41**
